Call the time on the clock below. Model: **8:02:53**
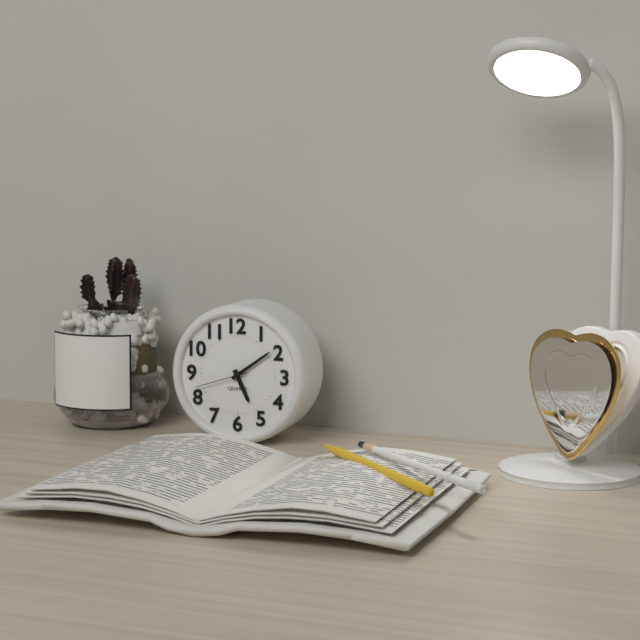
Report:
**5:09:42**
